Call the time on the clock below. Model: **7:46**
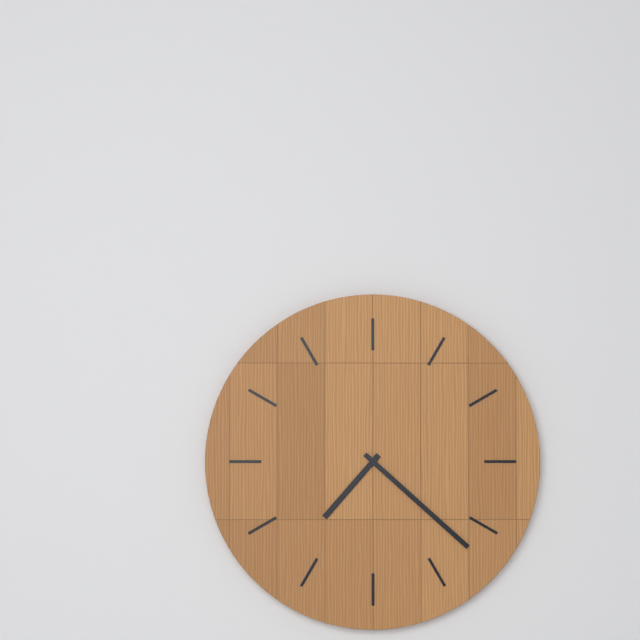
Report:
**7:22**
